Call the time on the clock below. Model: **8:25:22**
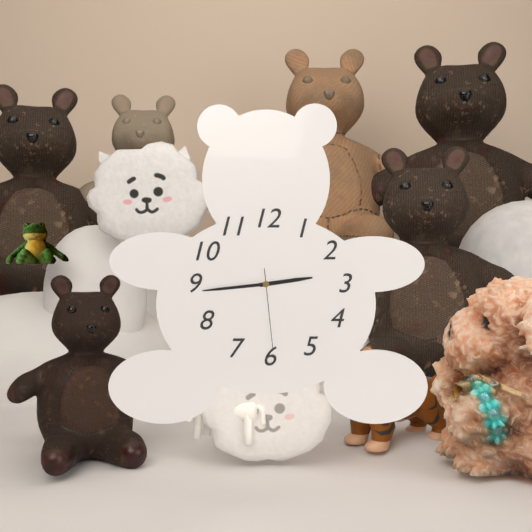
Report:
**2:44:29**
